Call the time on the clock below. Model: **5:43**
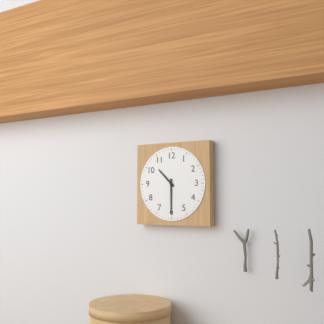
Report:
**10:30**
